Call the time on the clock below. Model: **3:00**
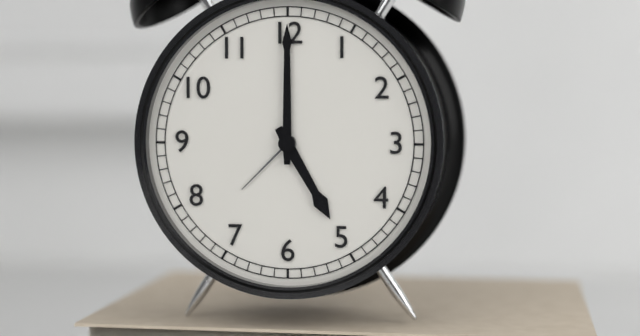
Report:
**5:00**
